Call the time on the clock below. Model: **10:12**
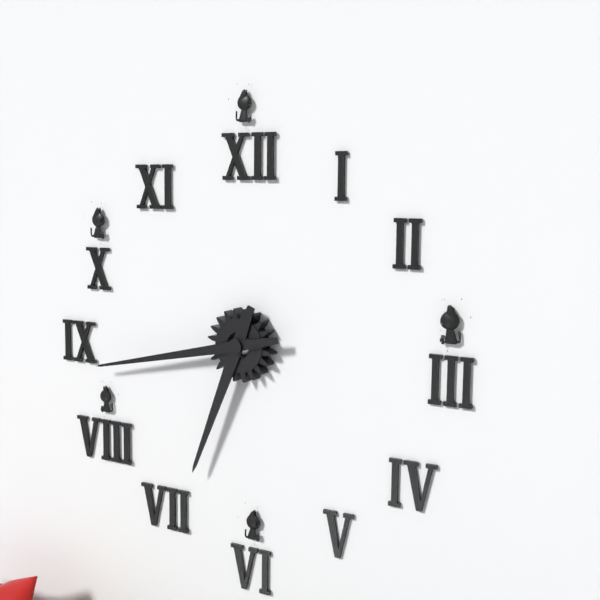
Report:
**6:43**
